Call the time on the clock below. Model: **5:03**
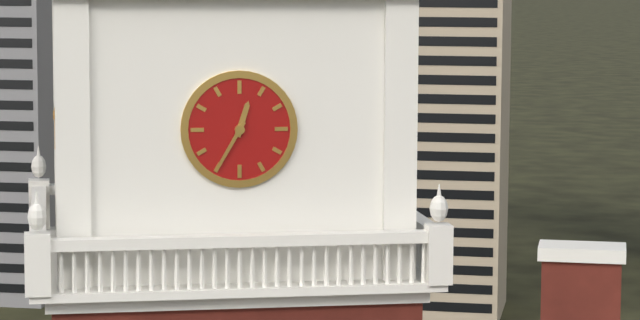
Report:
**12:35**
